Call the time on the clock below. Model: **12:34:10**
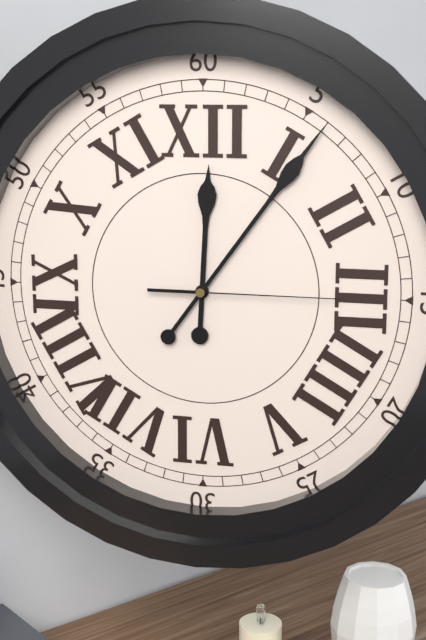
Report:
**12:06:15**
